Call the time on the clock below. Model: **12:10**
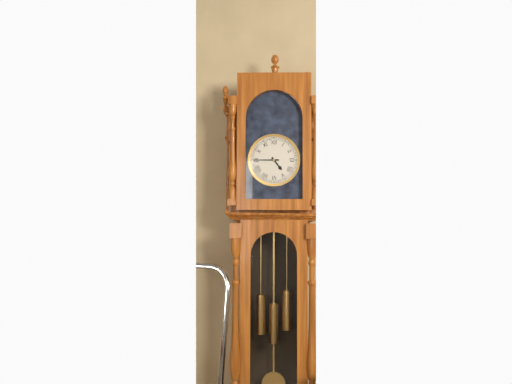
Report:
**4:45**
